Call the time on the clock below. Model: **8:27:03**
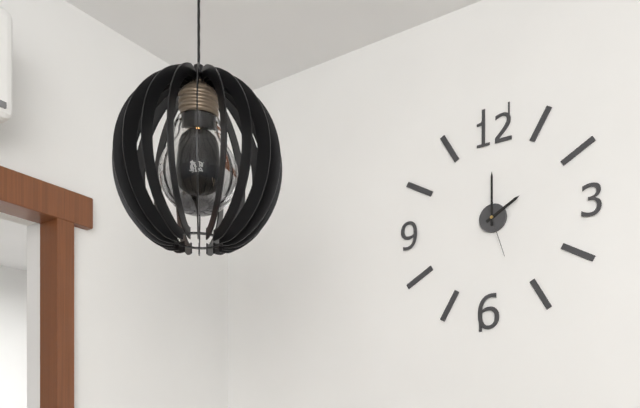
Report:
**2:00:27**
